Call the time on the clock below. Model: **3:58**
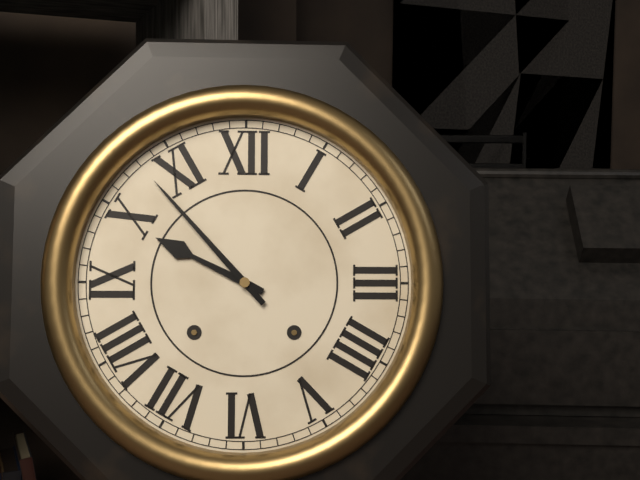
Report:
**9:53**
